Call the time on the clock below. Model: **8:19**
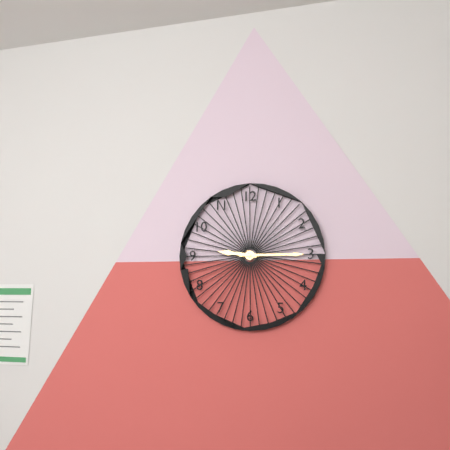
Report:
**9:15**
